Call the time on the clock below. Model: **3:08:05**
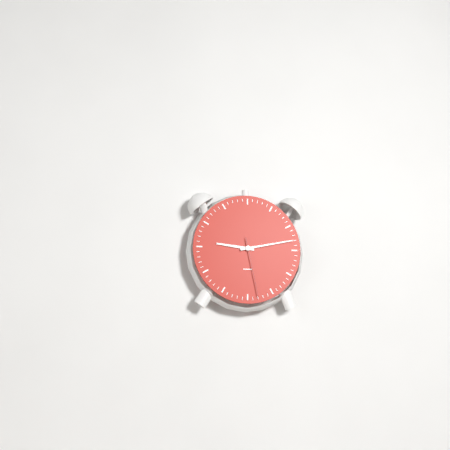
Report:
**9:13:28**
